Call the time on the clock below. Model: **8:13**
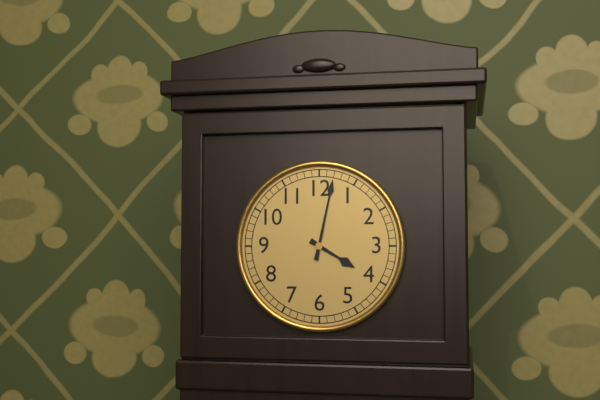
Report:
**4:02**
